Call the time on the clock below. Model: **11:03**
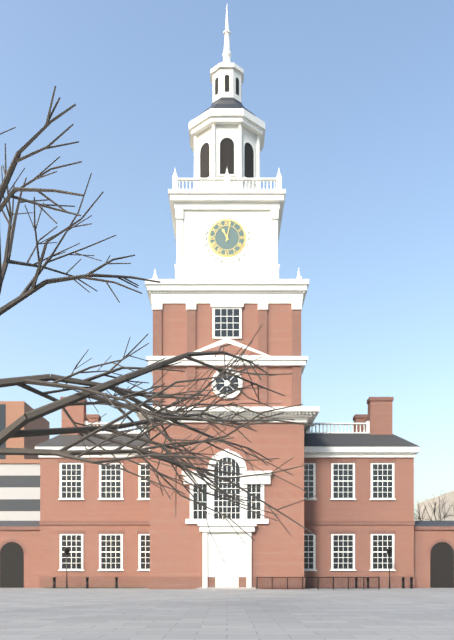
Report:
**11:02**
